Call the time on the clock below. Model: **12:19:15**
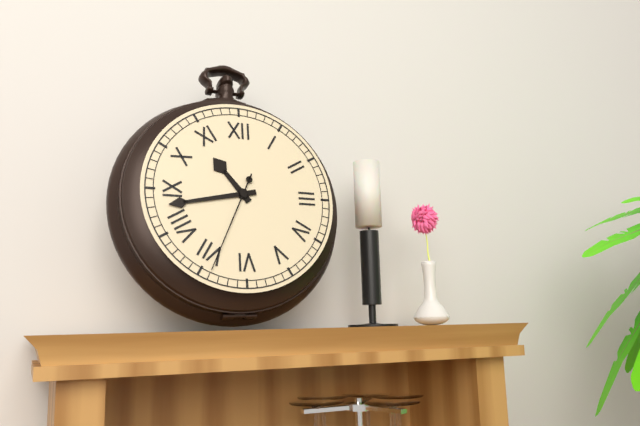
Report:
**10:43:34**
